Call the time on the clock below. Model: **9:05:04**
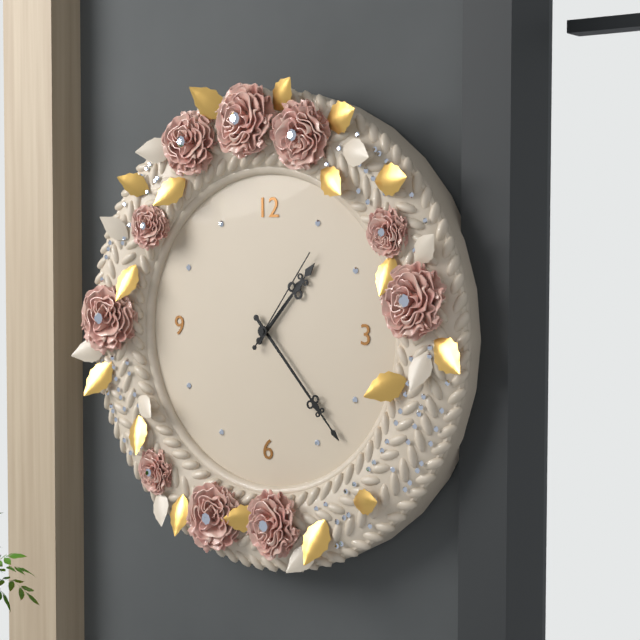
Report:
**1:23:06**
